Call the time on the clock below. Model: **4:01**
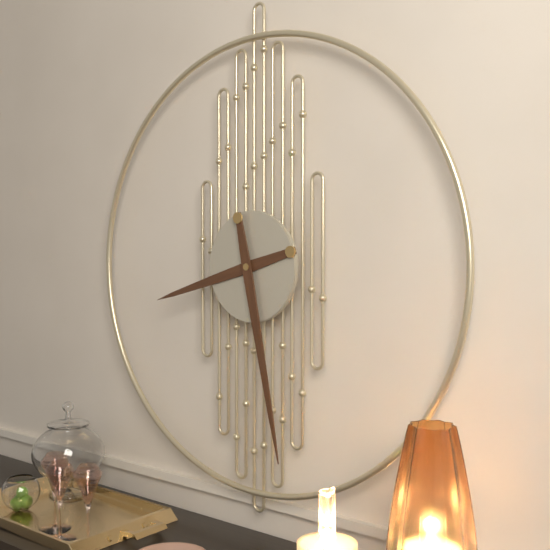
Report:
**8:28**
